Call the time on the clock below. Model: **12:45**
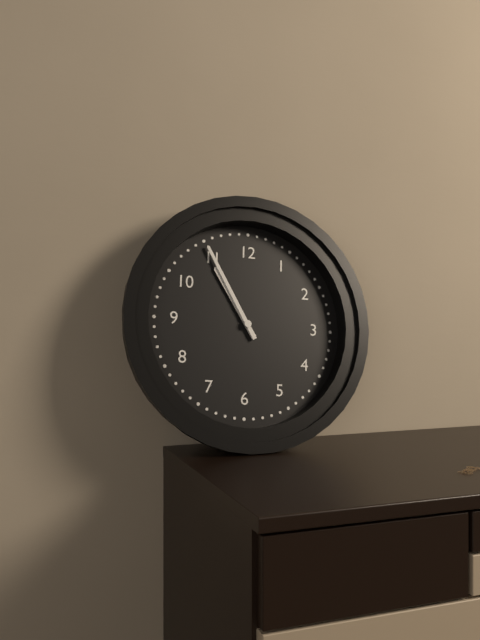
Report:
**10:55**
